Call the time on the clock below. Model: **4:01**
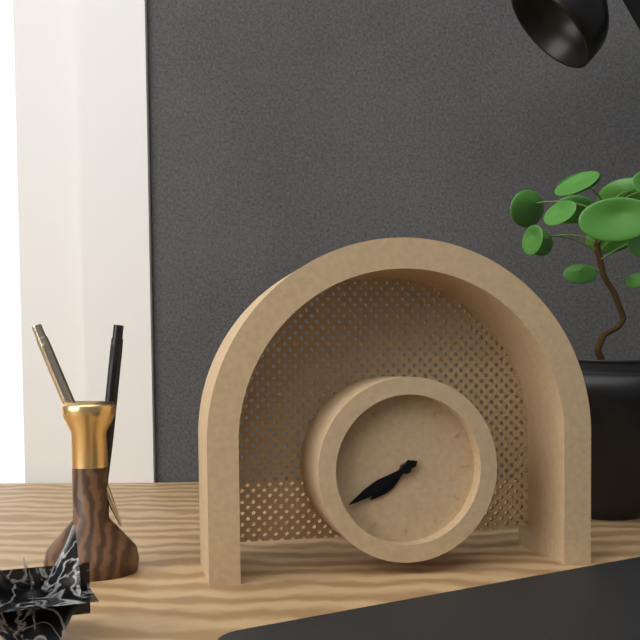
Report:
**7:40**
